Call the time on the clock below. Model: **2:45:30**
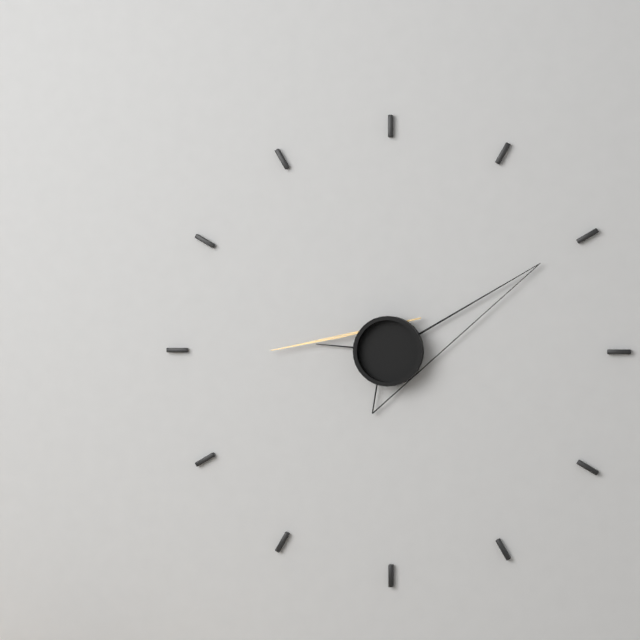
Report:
**9:10:45**
